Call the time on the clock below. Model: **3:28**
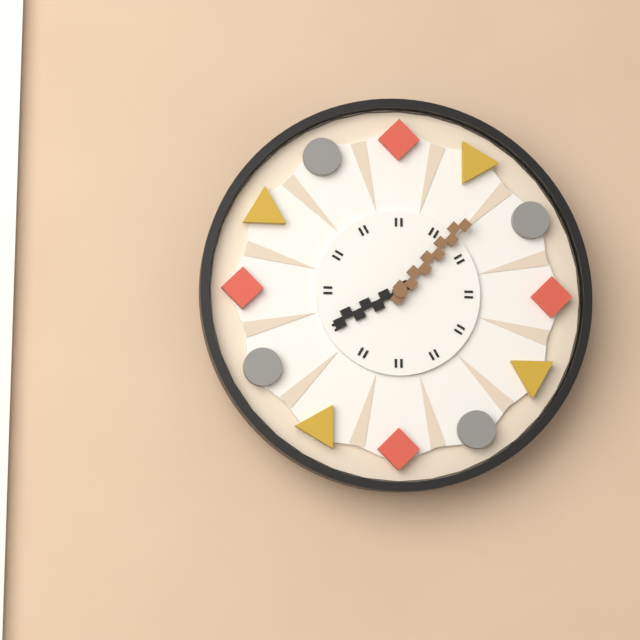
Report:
**8:07**
